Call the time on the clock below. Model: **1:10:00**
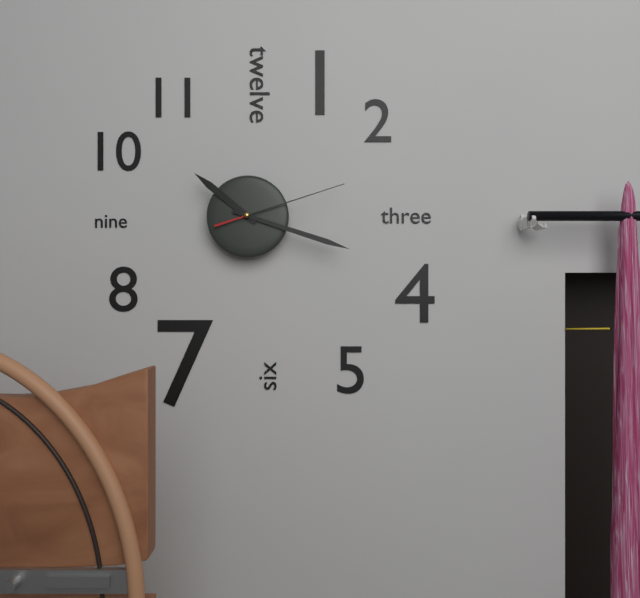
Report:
**10:18:12**
